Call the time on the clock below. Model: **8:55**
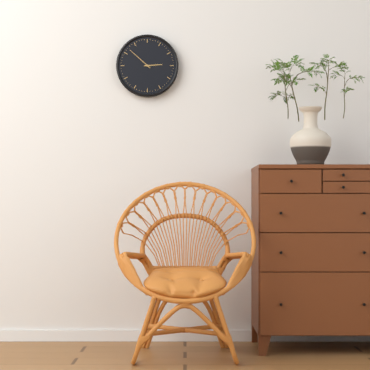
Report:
**2:52**
